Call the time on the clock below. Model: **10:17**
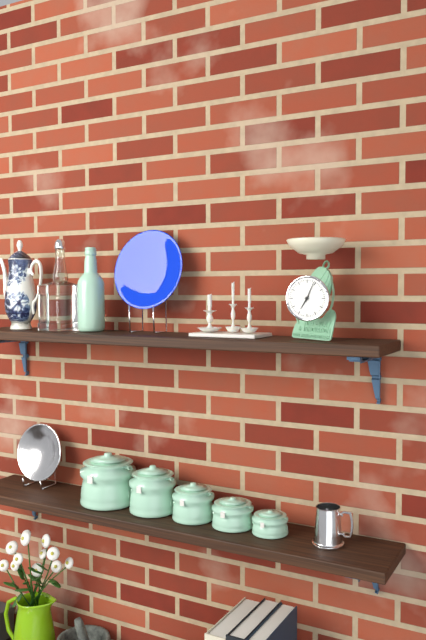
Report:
**7:04**
